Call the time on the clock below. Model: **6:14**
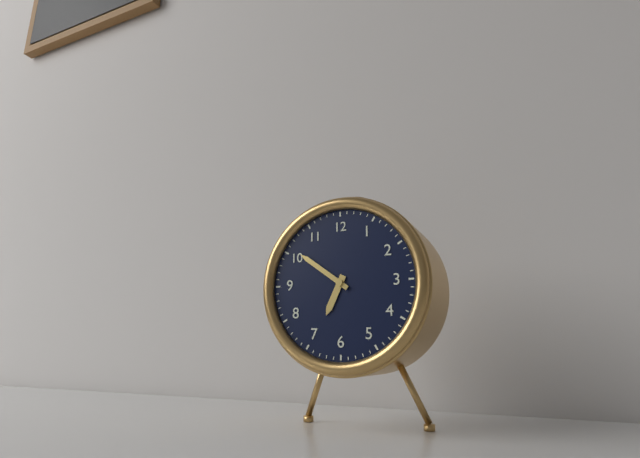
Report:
**6:51**
